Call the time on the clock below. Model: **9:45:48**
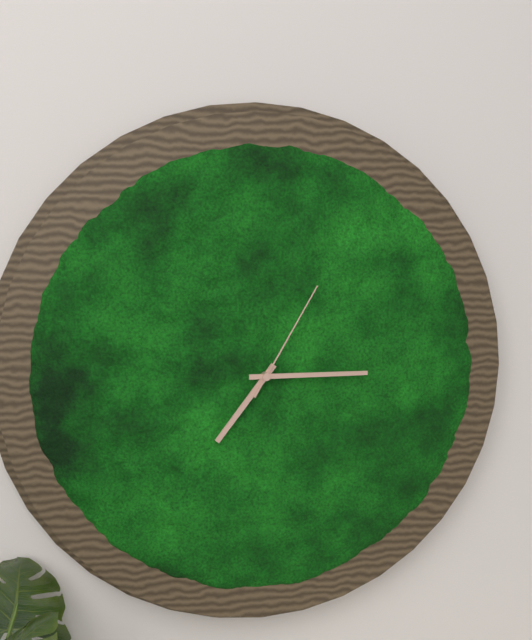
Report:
**7:15:05**
